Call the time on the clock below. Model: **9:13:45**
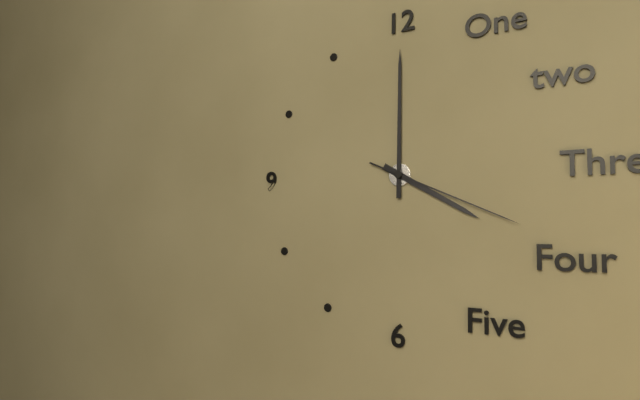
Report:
**4:00:19**
